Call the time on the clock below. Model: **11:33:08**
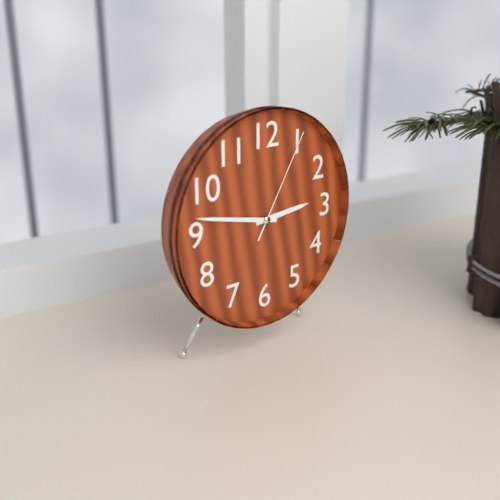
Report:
**2:47:05**
